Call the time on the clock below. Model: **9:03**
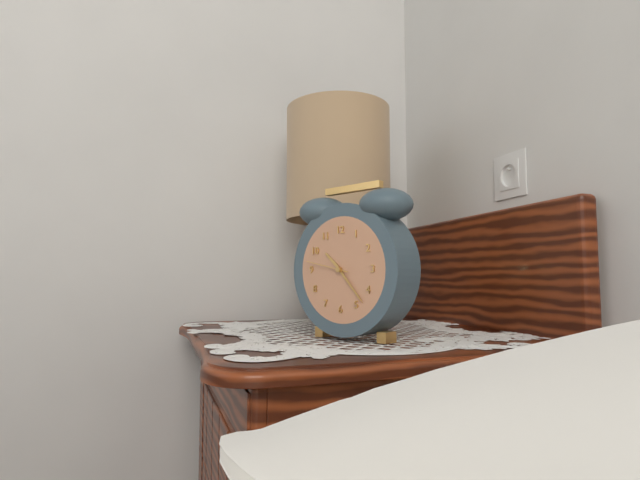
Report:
**10:23**
